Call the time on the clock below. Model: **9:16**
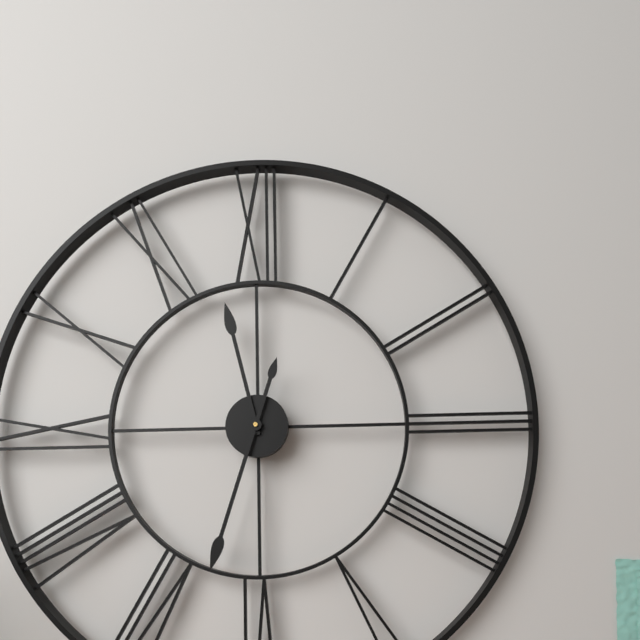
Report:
**11:33**
